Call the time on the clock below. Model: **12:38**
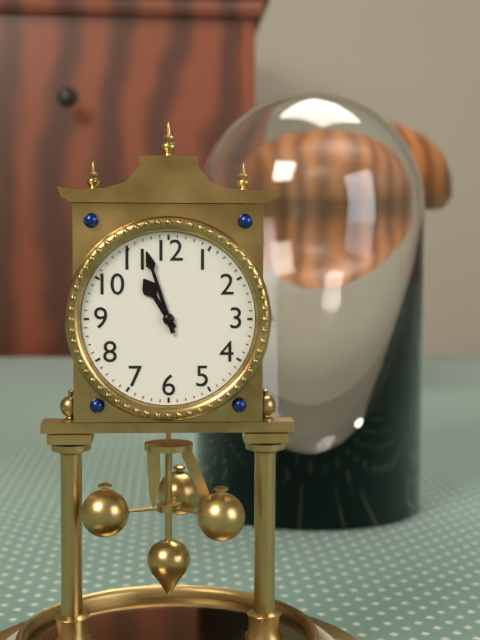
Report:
**10:57**
